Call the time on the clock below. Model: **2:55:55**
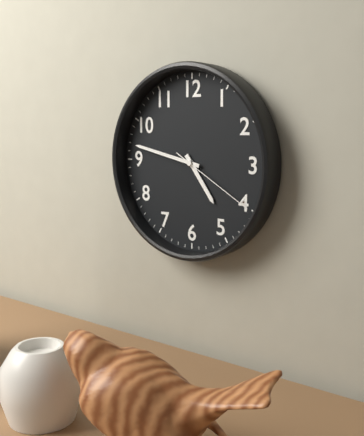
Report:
**4:47:20**
